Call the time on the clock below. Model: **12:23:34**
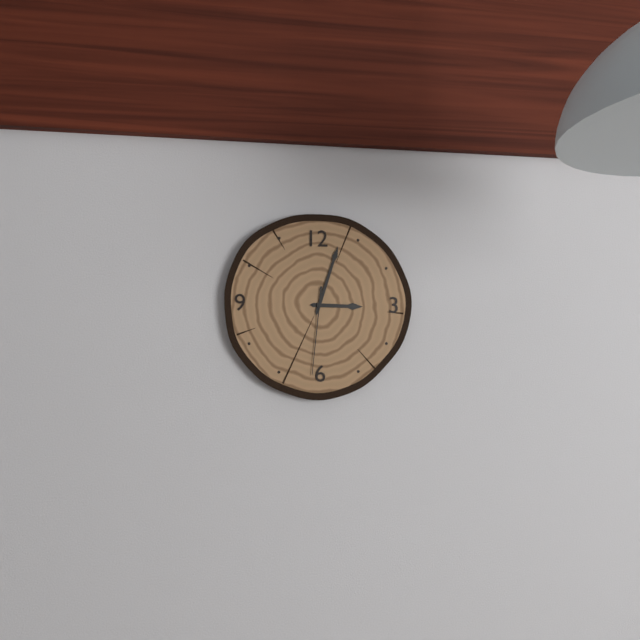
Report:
**3:03:31**
